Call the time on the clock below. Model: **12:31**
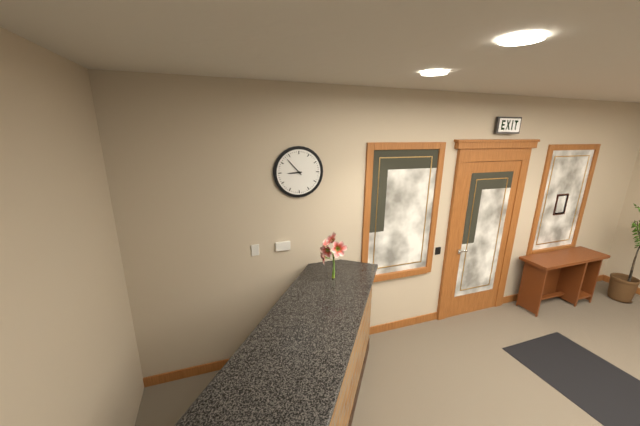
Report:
**8:53**
